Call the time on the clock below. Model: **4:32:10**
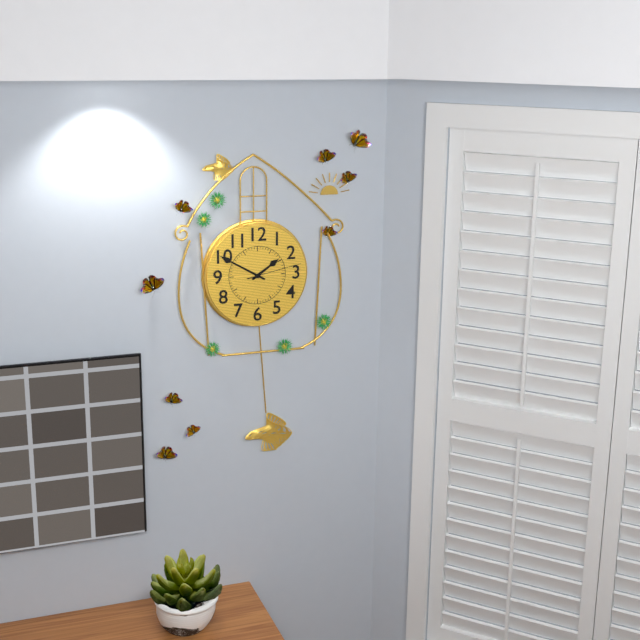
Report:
**1:50:13**
